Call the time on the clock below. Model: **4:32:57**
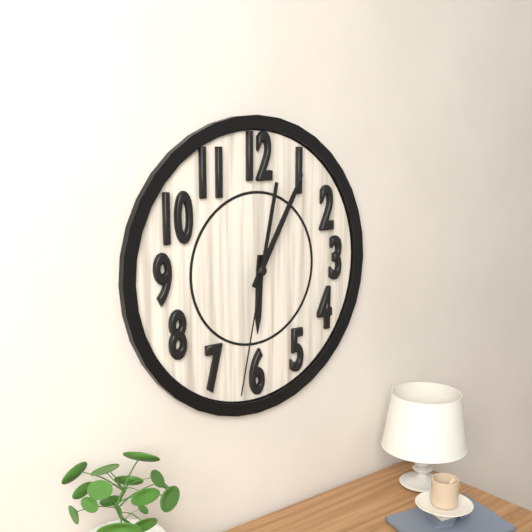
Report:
**6:05:32**
